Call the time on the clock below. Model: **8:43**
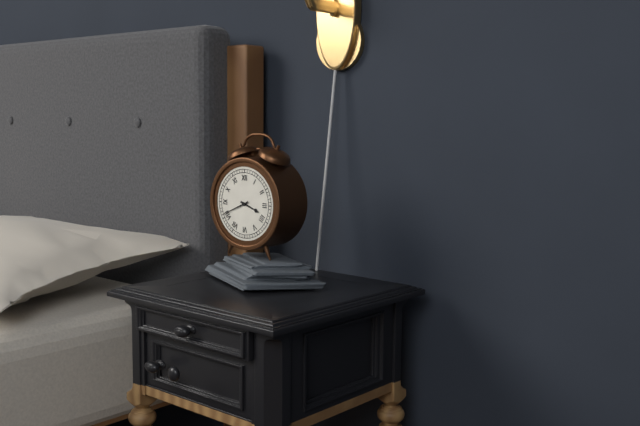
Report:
**3:41**
